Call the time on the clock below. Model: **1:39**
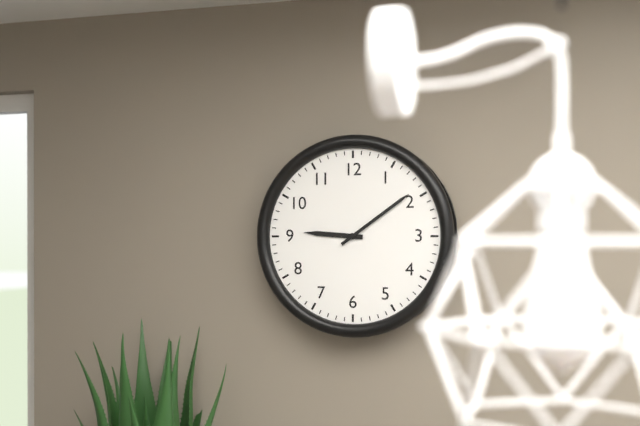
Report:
**9:09**
